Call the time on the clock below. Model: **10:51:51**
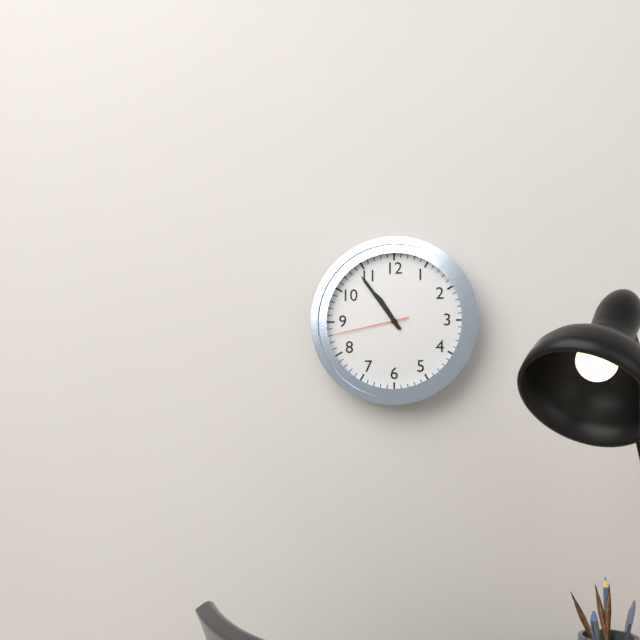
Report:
**10:54:43**
